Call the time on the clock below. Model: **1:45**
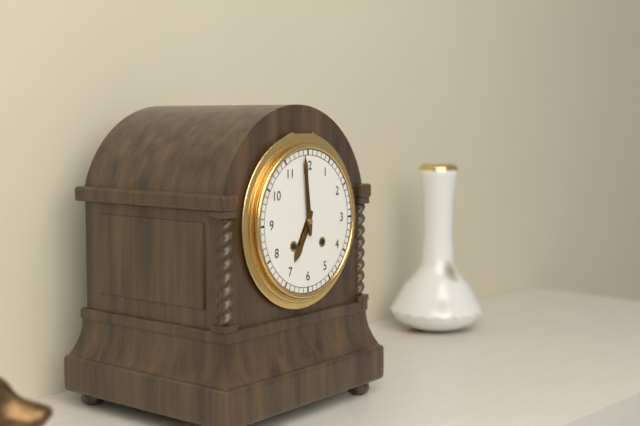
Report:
**6:59**
